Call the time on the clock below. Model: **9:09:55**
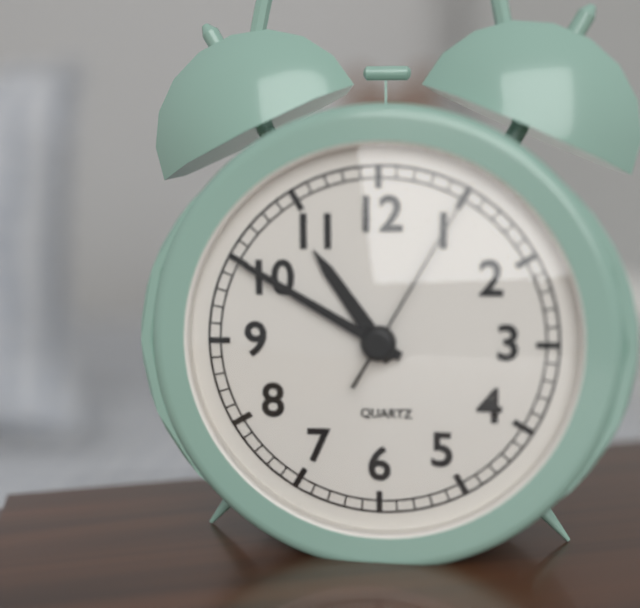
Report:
**10:50:05**
